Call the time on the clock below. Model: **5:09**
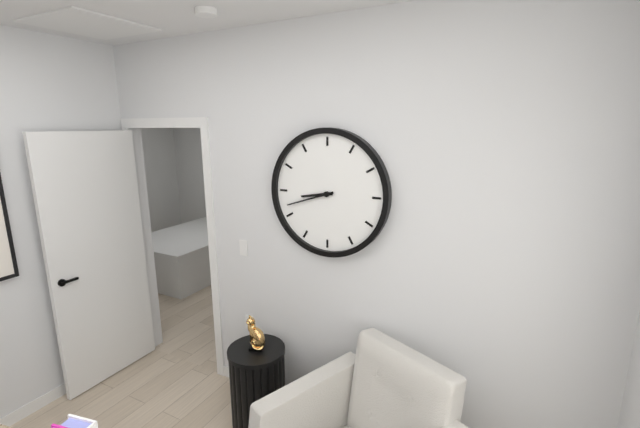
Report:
**8:42**
